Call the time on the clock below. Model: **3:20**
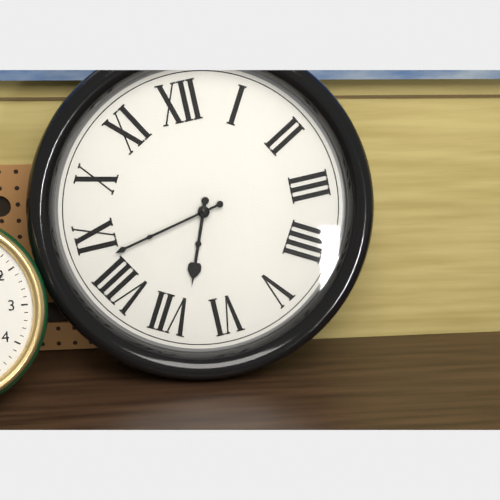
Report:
**6:43**
